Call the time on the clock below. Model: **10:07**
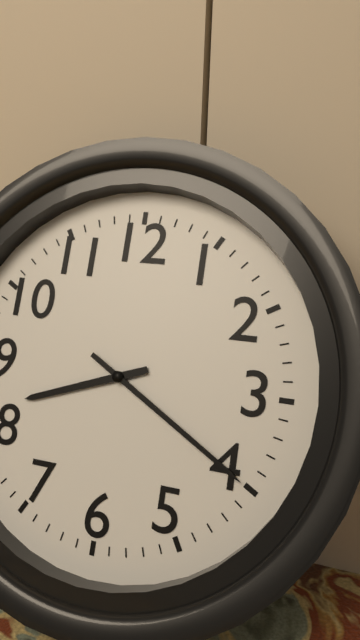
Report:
**8:20**
